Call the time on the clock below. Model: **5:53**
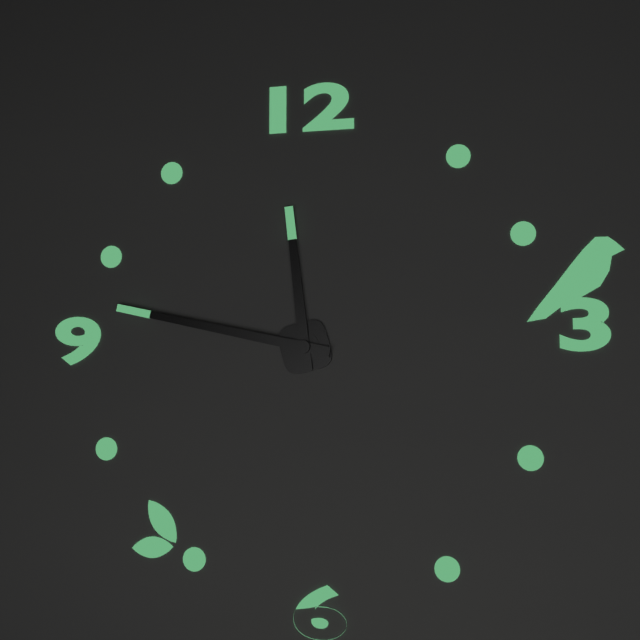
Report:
**11:47**
